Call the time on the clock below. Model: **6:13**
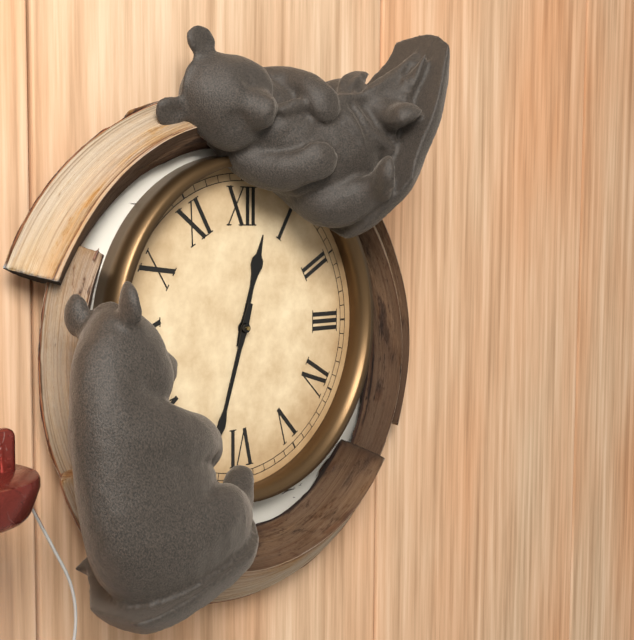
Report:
**12:33**
